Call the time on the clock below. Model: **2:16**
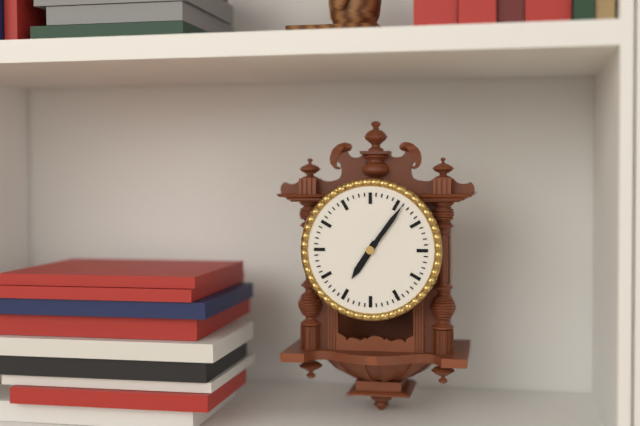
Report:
**7:06**
